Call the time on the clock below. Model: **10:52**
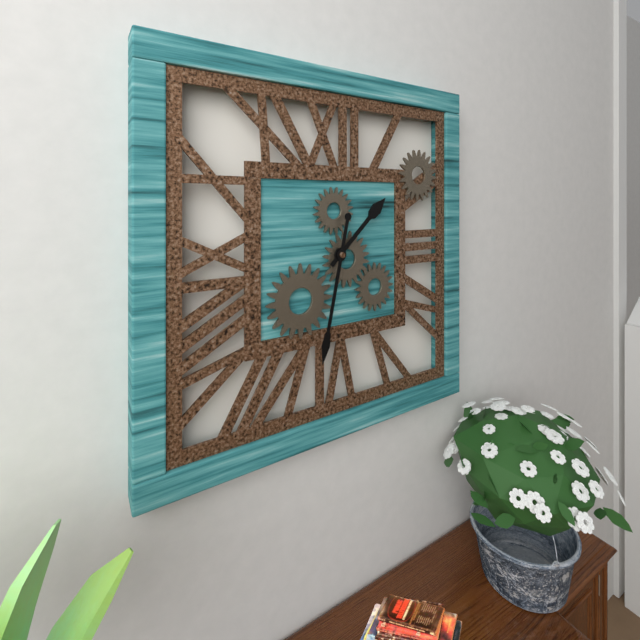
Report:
**1:32**
